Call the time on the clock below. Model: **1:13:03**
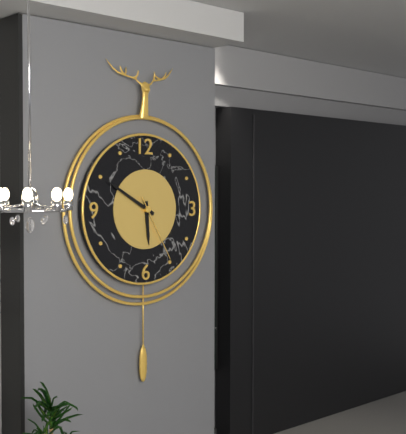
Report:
**5:50:25**
